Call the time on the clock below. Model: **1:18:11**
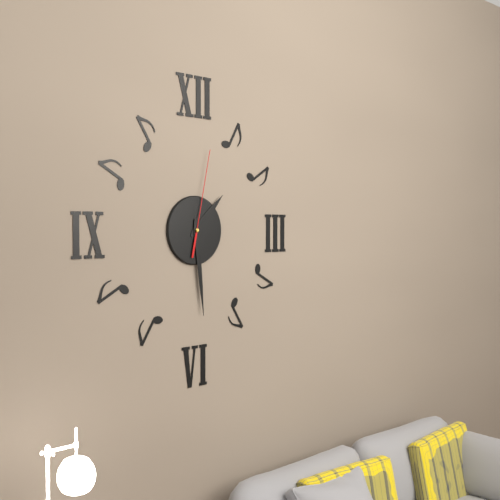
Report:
**1:29:02**
